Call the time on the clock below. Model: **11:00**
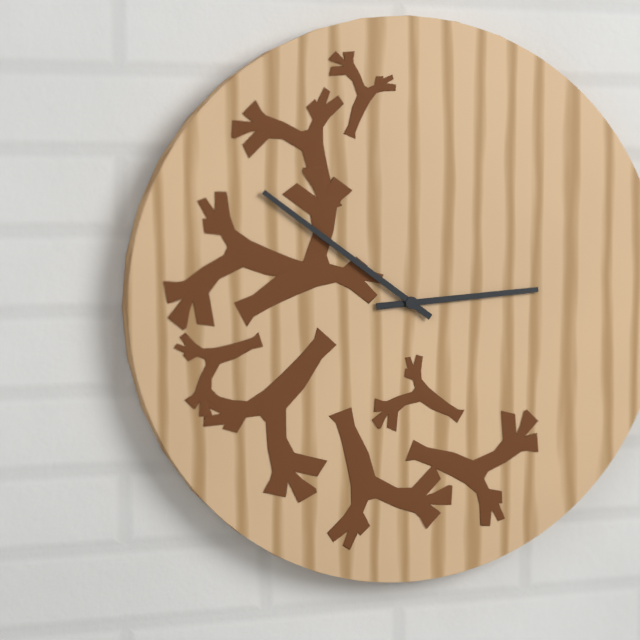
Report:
**2:51**
